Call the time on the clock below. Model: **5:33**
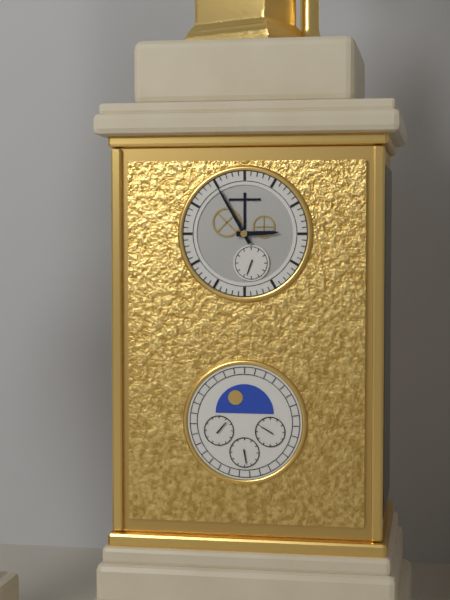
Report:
**2:55**
